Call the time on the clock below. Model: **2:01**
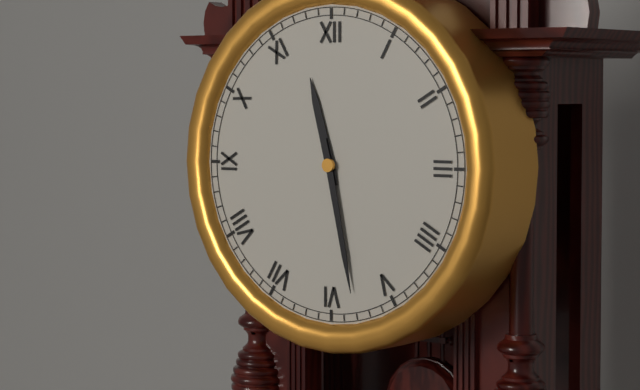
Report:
**11:28**
